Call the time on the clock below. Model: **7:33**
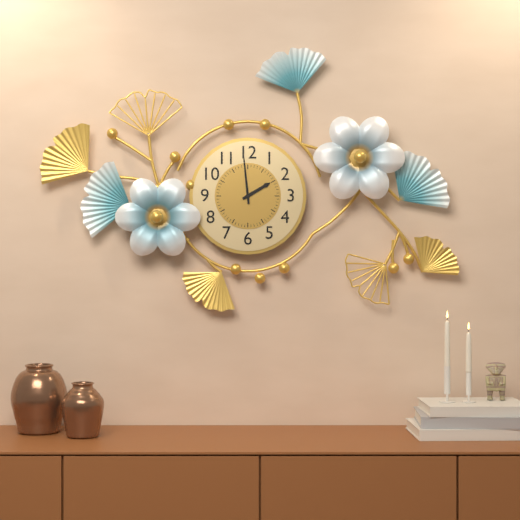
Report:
**1:59**
